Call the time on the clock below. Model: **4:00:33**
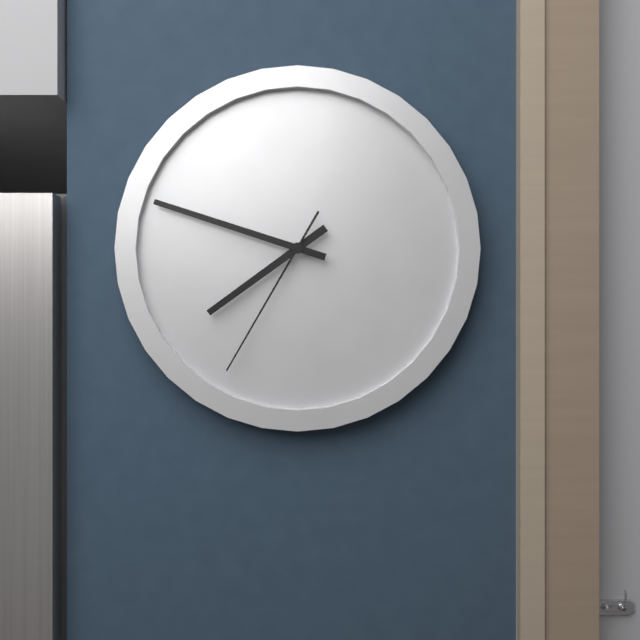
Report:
**7:48:35**
